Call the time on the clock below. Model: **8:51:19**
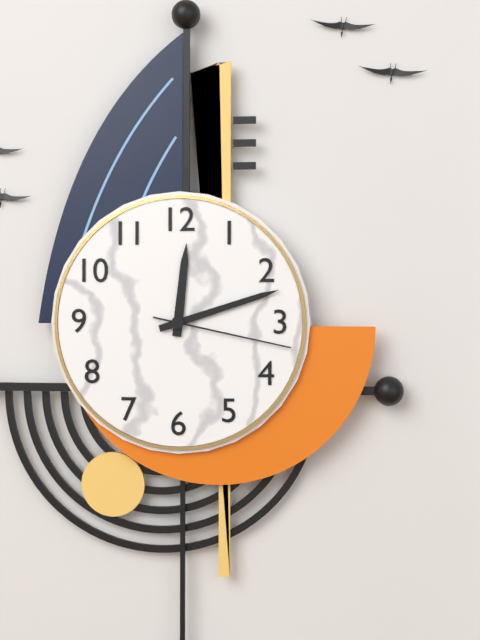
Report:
**12:12:17**
